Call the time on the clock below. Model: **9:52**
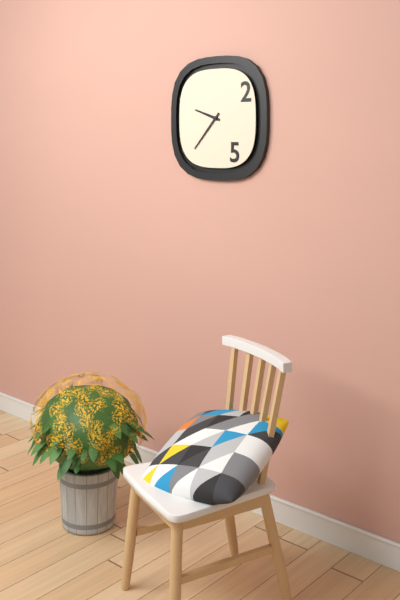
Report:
**9:37**
